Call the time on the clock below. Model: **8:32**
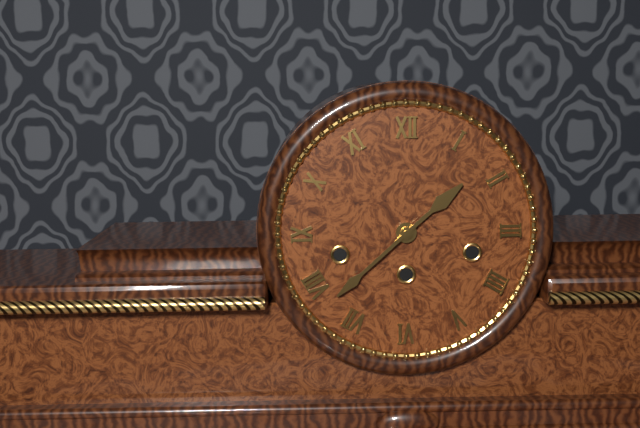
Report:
**1:38**
